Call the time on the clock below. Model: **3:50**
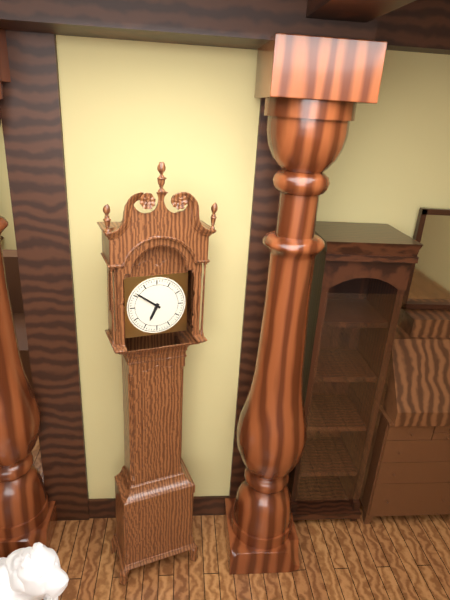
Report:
**6:51**
